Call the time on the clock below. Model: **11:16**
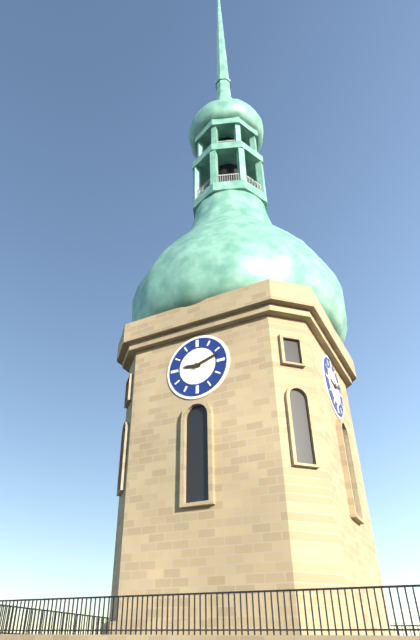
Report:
**9:12**
